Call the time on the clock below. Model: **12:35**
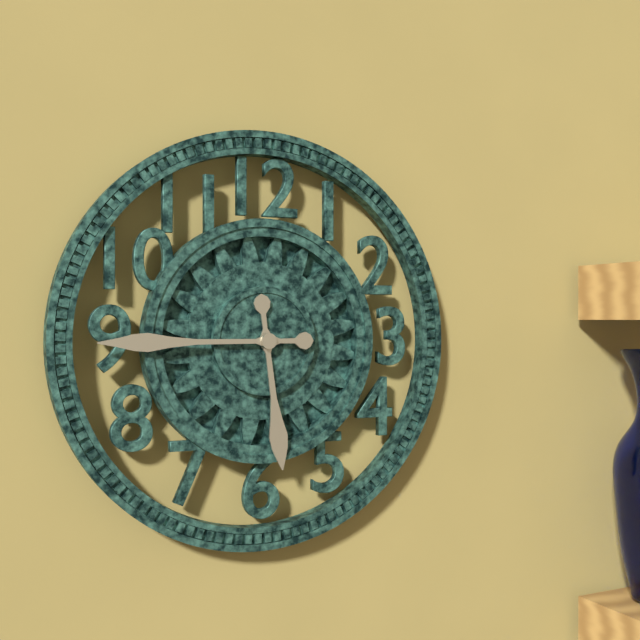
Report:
**5:45**
